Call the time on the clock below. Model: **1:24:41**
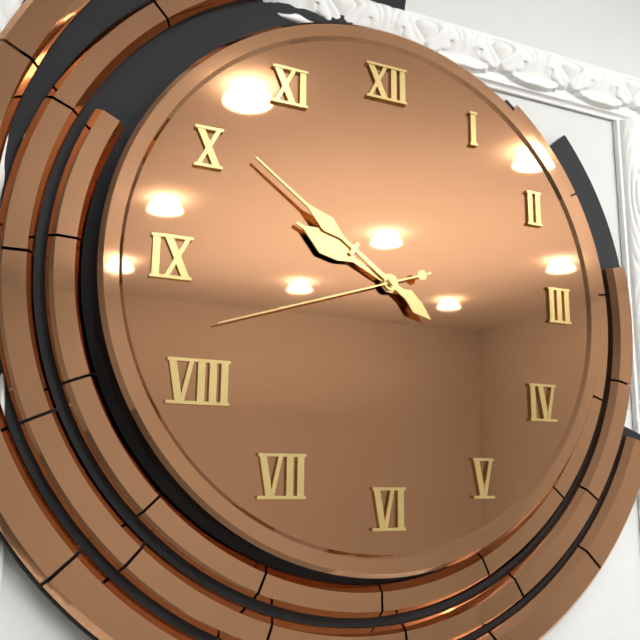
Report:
**9:51:42**
